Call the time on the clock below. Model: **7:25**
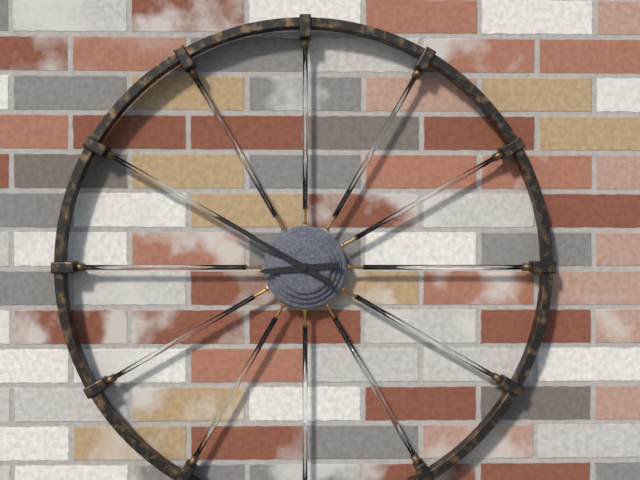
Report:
**8:50**
